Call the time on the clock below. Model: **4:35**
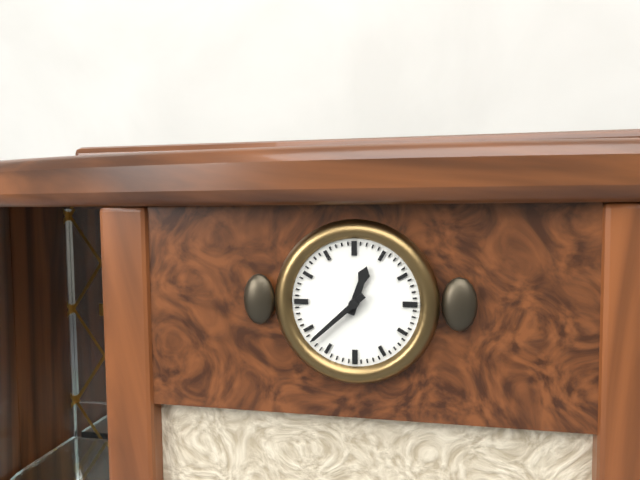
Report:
**12:38**
